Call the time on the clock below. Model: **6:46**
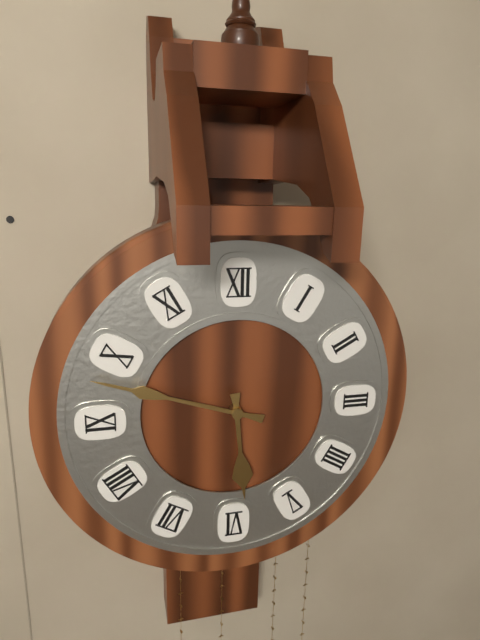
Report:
**5:48**
